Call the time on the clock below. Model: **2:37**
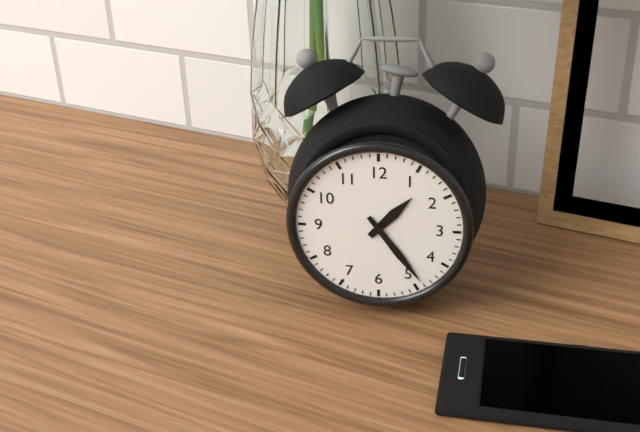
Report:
**1:24**
